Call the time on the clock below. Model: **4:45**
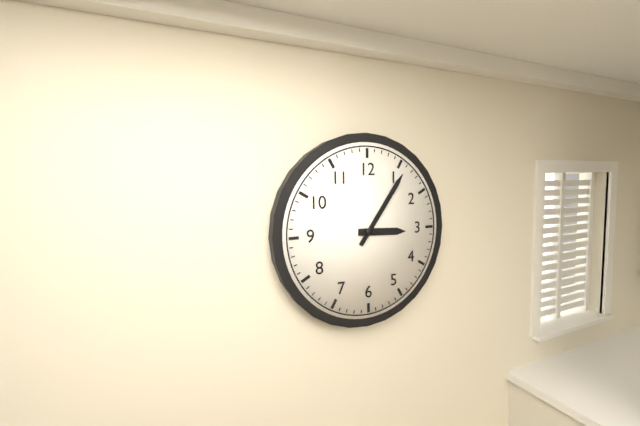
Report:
**3:06**
